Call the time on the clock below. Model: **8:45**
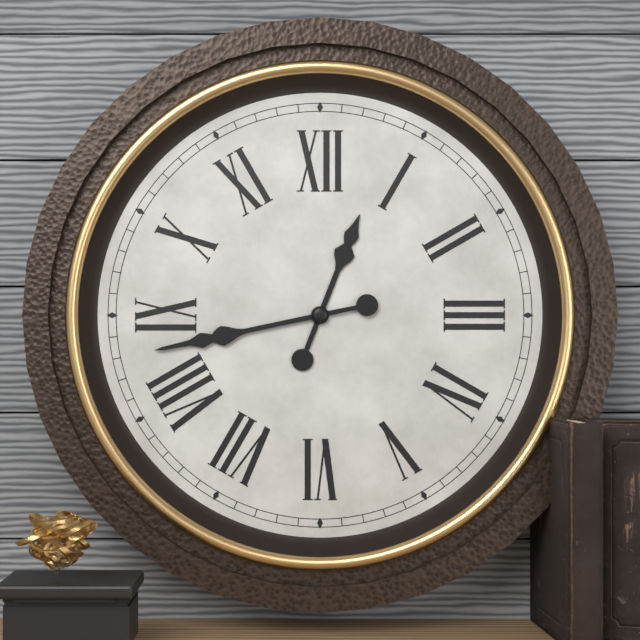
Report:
**12:43**
